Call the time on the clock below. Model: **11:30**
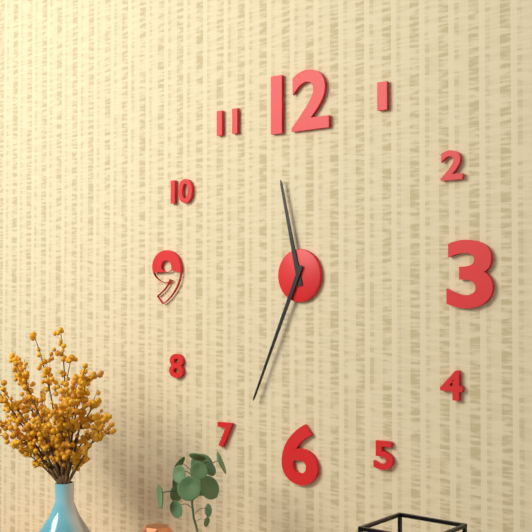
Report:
**11:34**
